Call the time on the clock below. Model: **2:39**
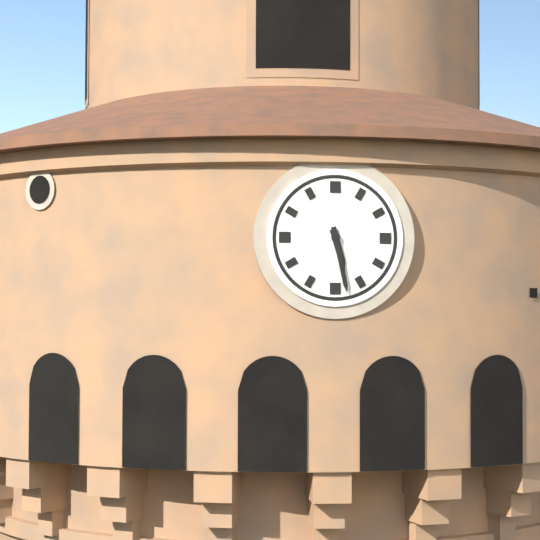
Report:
**5:28**
